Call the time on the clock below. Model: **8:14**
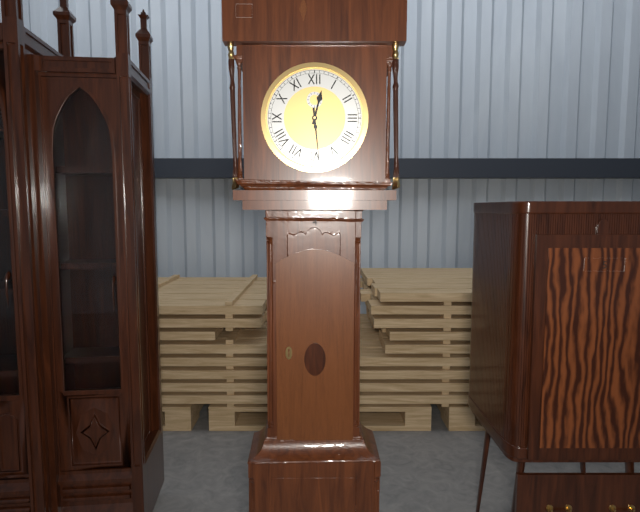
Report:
**12:29**
